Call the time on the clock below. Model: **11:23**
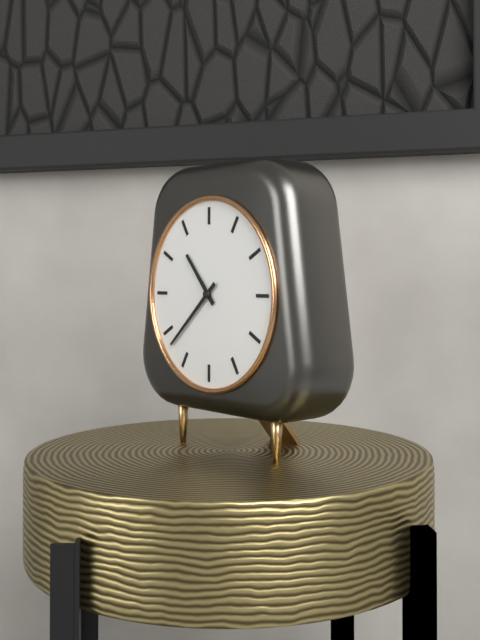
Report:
**10:38**
